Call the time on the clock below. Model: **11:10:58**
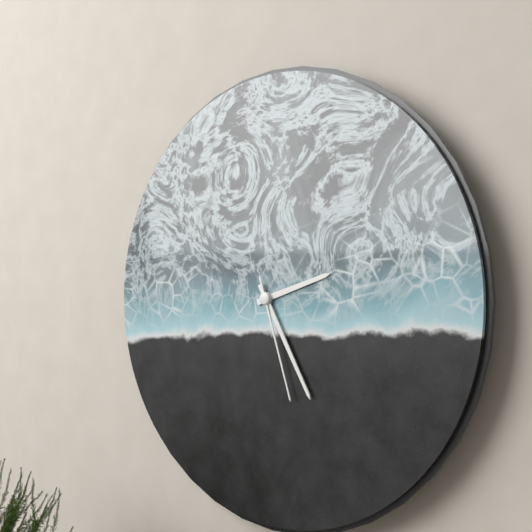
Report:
**2:25:27**
